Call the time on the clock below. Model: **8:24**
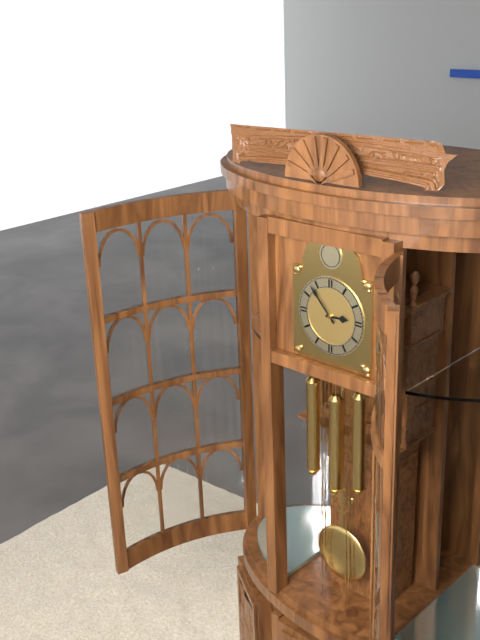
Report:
**2:53**
